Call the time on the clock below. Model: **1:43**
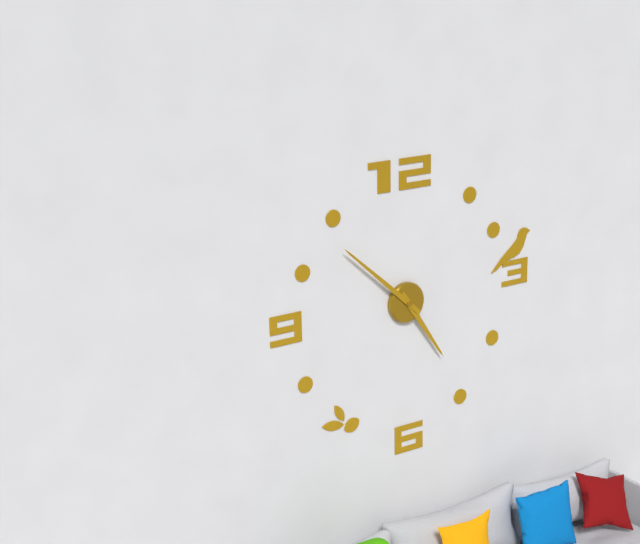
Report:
**4:52**
